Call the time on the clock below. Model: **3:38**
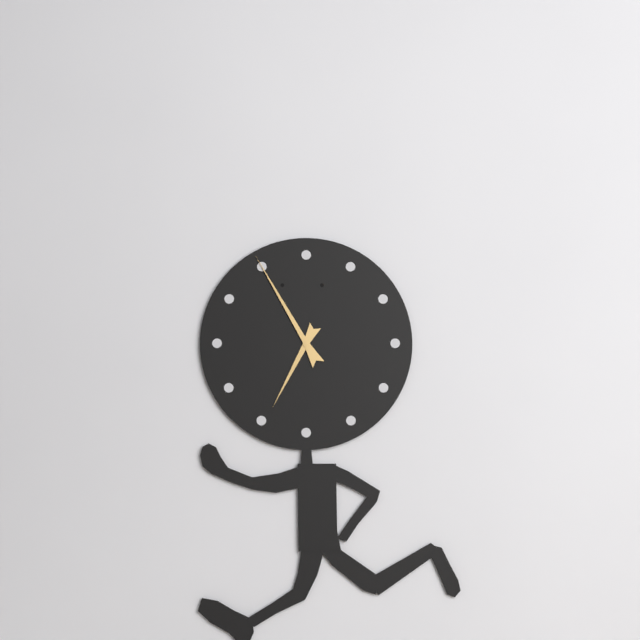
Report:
**6:55**
